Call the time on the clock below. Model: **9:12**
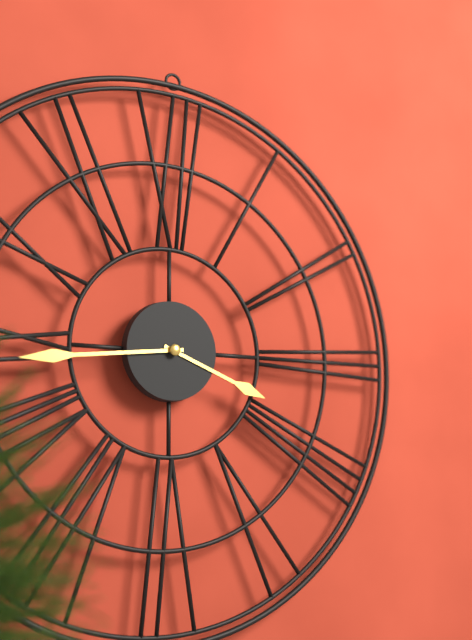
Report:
**3:44**
